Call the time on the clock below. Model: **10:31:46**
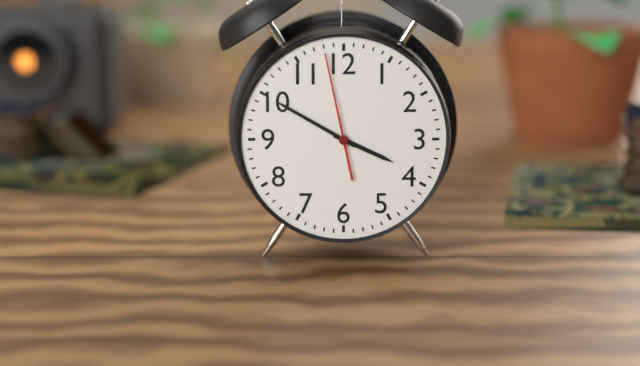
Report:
**3:50:58**
